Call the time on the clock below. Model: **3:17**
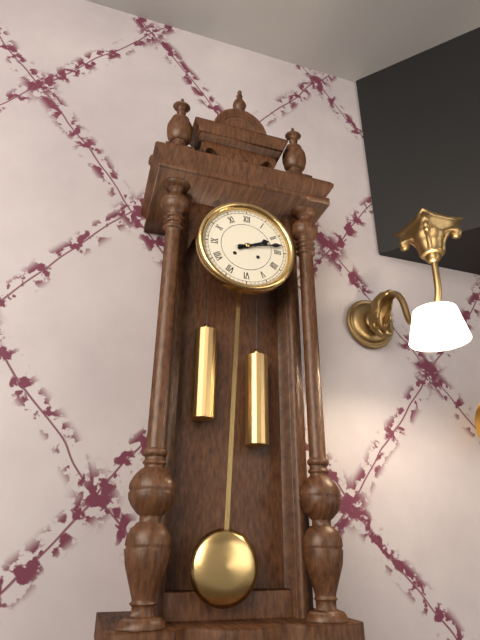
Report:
**2:13**
